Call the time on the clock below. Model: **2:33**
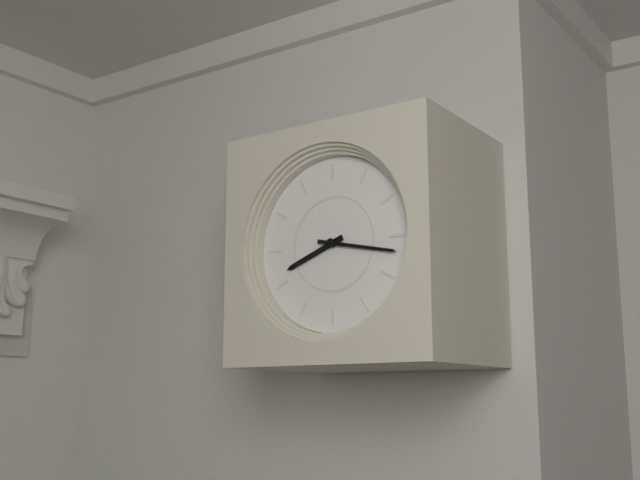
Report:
**8:17**
